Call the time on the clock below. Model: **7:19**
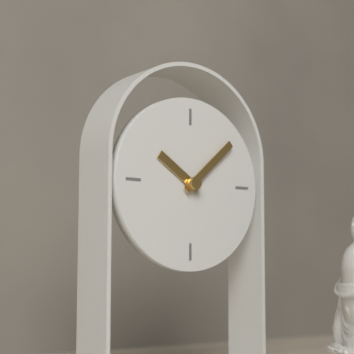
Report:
**10:08**
